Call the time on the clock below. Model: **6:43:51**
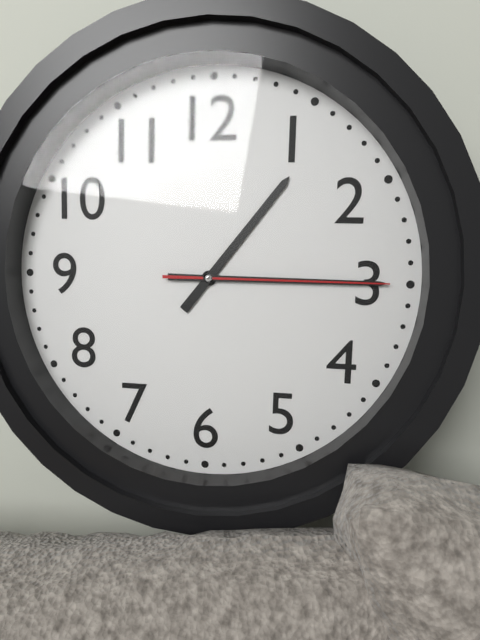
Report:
**1:15:15**
